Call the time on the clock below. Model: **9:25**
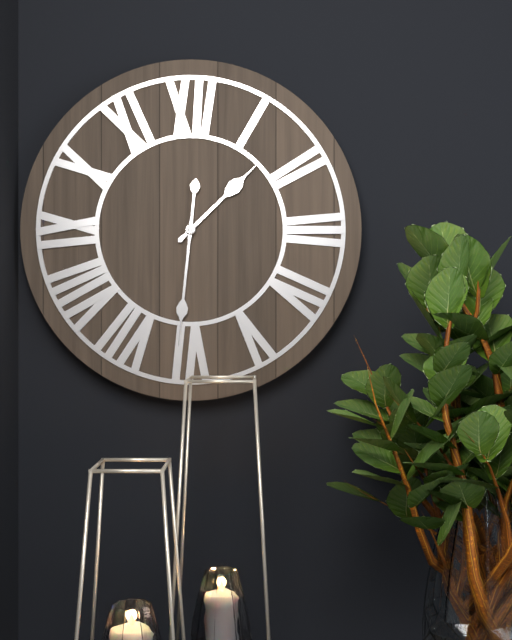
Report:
**1:31**
